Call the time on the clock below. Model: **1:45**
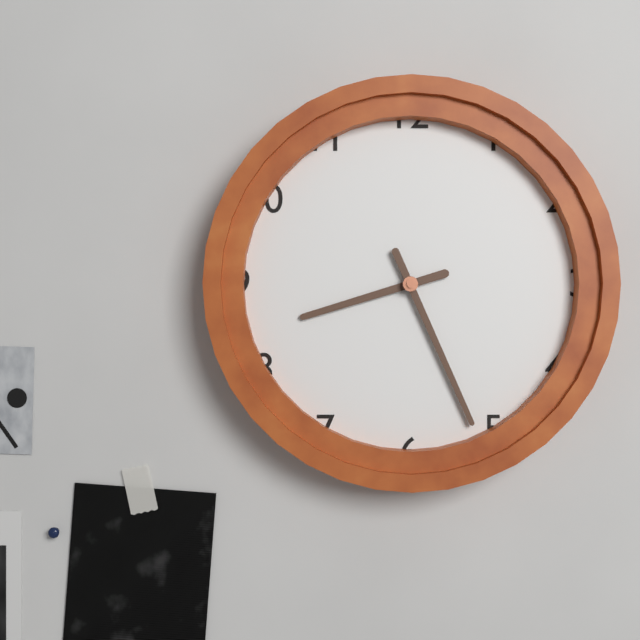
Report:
**8:26**
